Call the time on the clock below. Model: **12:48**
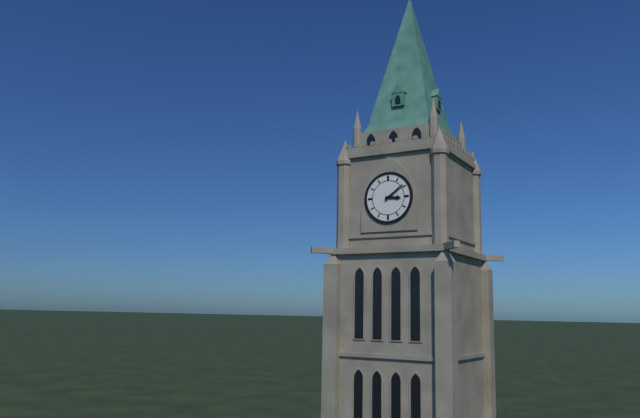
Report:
**3:09**
